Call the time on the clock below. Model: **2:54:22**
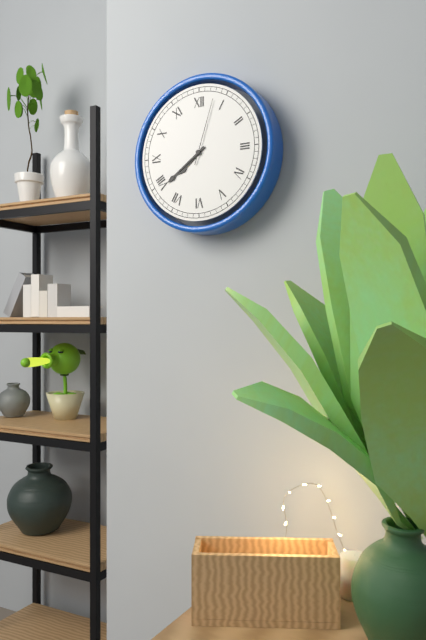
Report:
**7:39:03**
